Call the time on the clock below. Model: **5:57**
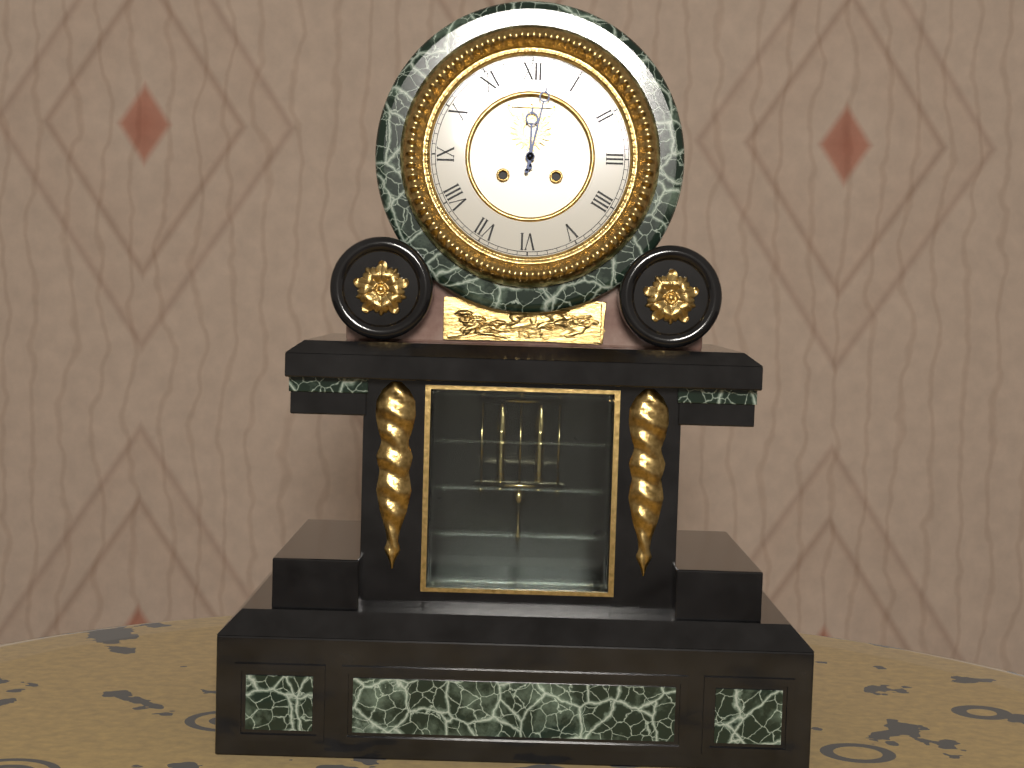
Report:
**12:02**
